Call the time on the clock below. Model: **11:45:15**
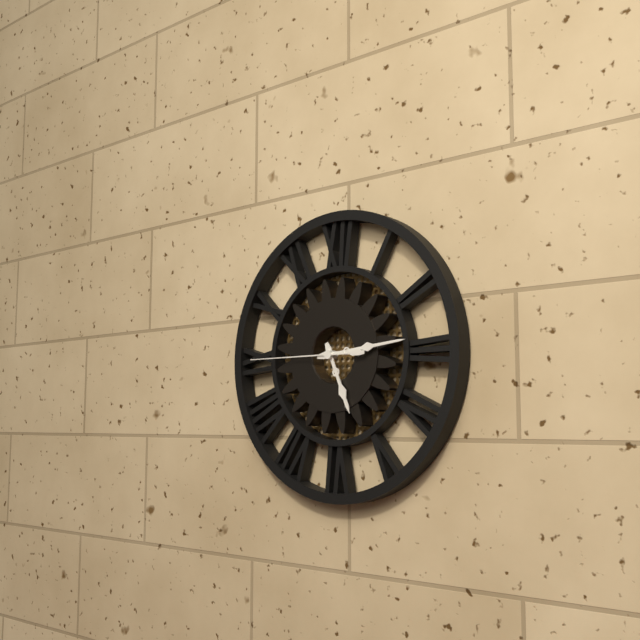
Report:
**5:14:45**
